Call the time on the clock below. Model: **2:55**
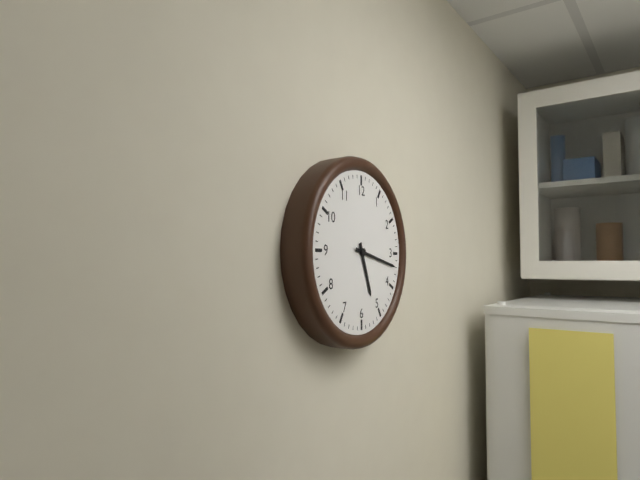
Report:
**5:17**
